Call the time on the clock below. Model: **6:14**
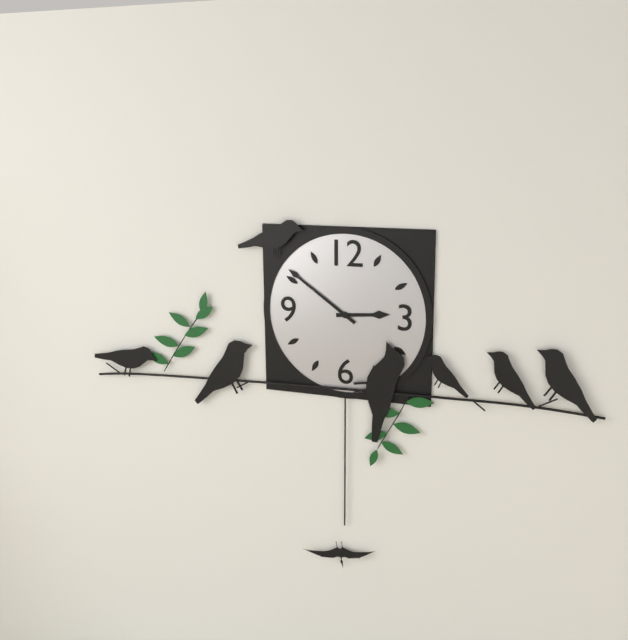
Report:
**2:51**
